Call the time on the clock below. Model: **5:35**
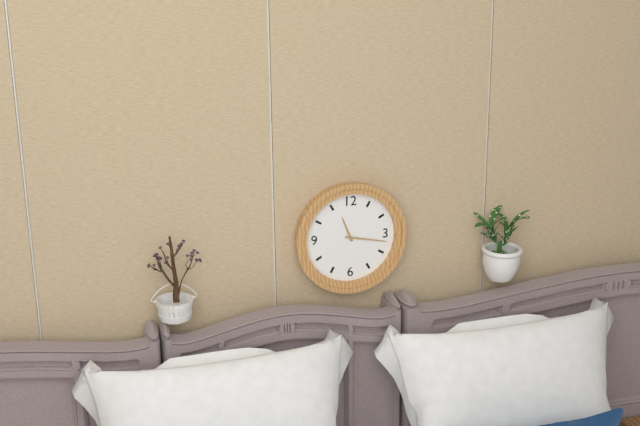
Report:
**11:17**
